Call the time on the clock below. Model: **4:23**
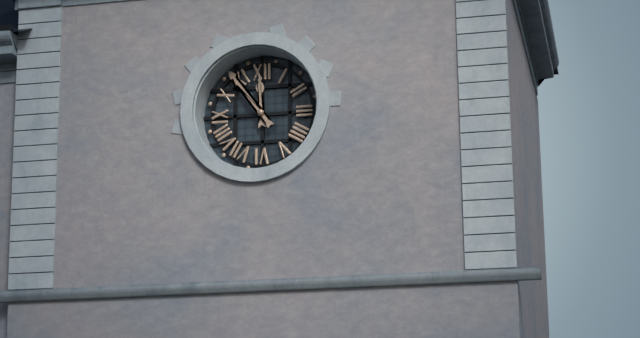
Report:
**11:54**
